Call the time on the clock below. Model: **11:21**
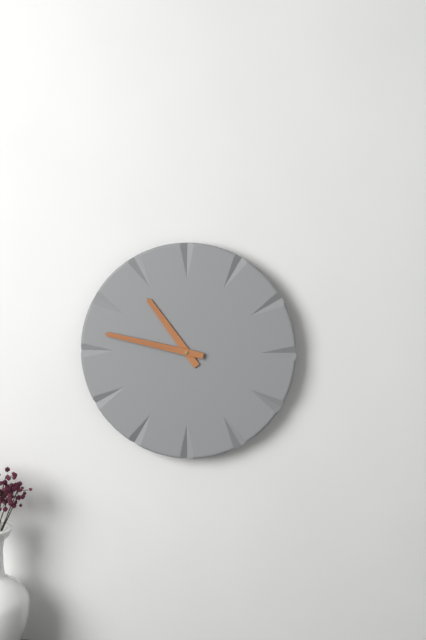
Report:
**10:47**
